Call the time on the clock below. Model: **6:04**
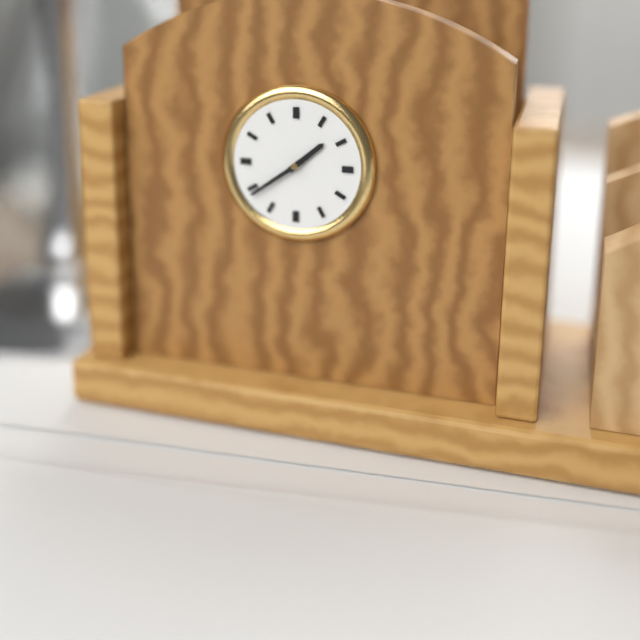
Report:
**1:39**
